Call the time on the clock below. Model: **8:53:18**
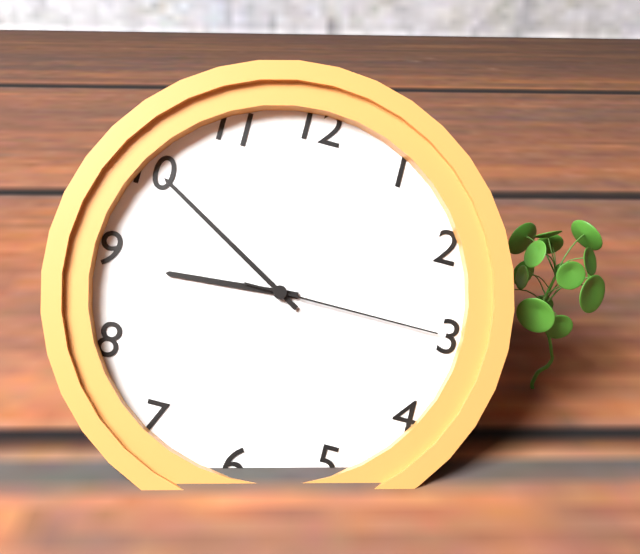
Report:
**8:50:15**
